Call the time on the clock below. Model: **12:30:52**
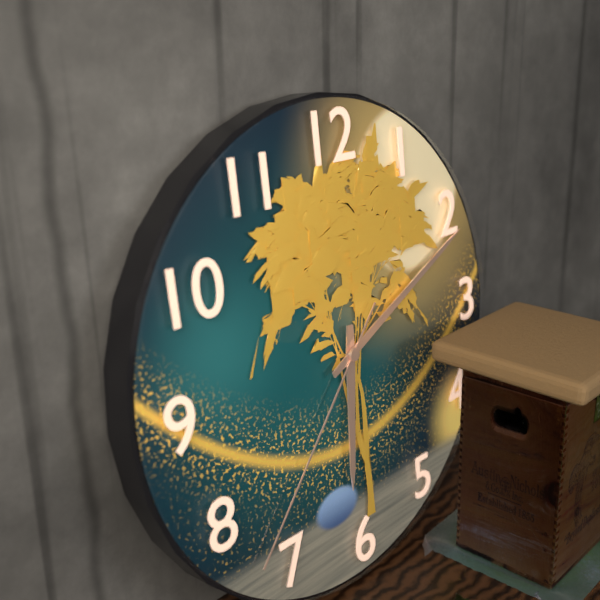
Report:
**6:11:37**
